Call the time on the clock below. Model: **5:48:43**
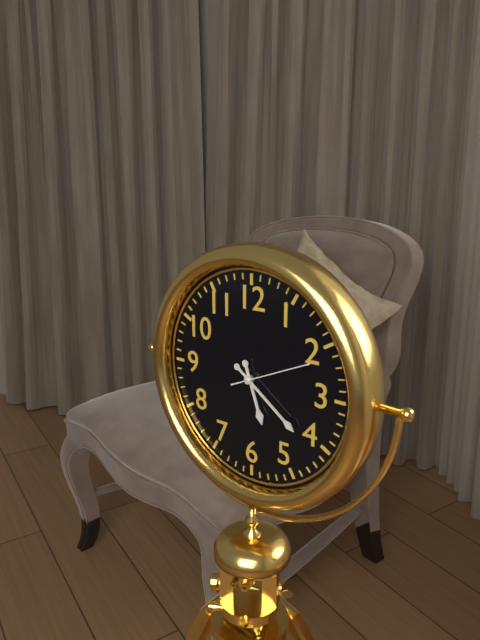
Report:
**5:21:11**
